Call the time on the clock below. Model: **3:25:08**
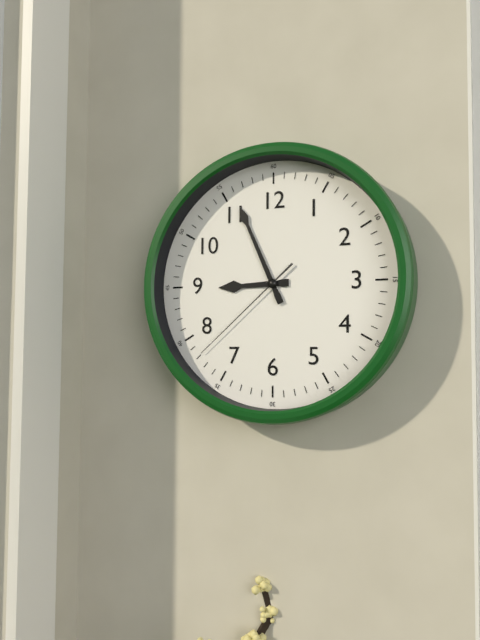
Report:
**8:56:38**
